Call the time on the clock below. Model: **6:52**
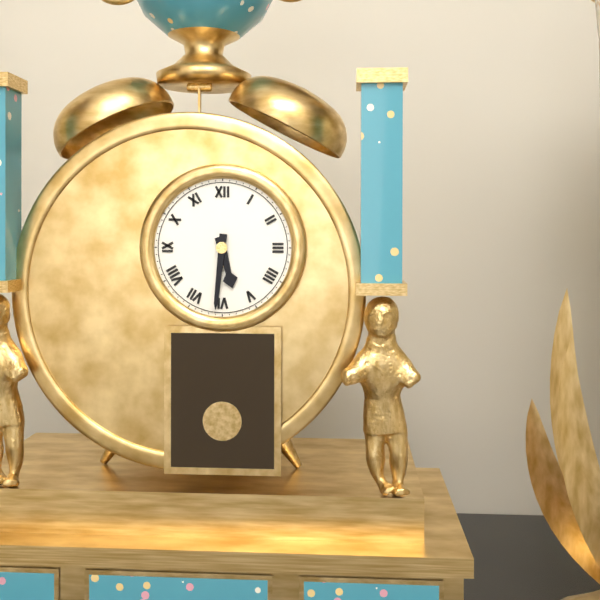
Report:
**5:31**
